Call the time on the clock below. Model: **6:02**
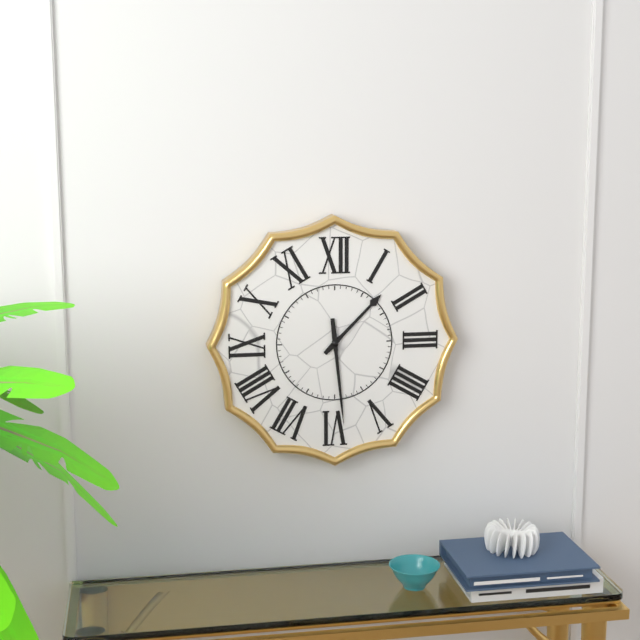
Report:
**1:29**
